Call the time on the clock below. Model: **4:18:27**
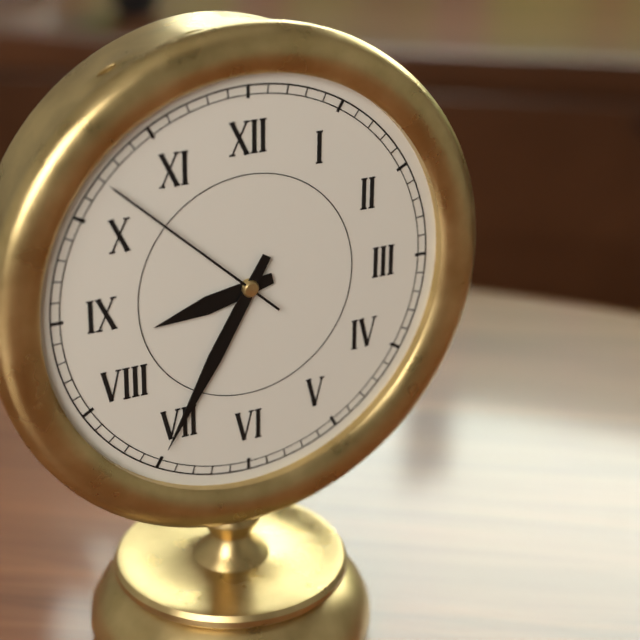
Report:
**8:35:52**
